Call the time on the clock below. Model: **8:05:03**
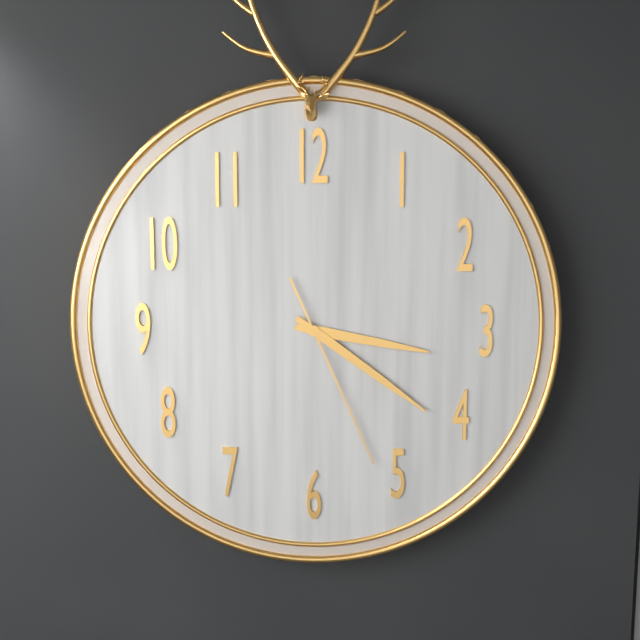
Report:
**3:21:26**
